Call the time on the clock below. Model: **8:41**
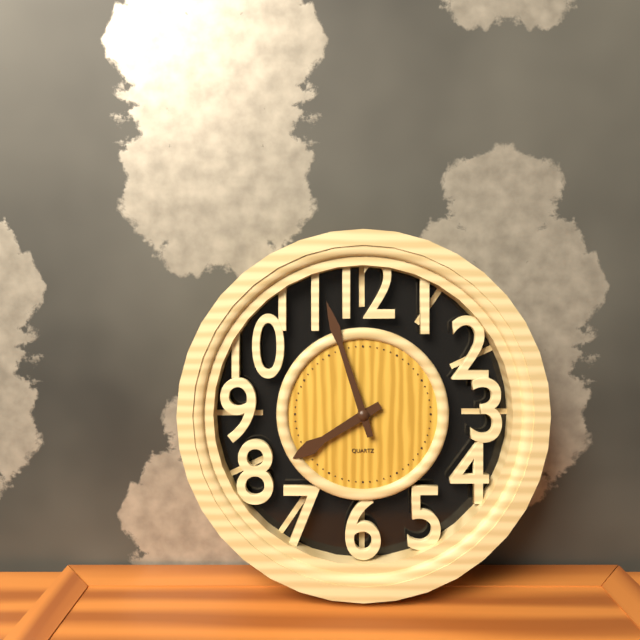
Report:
**7:57**
